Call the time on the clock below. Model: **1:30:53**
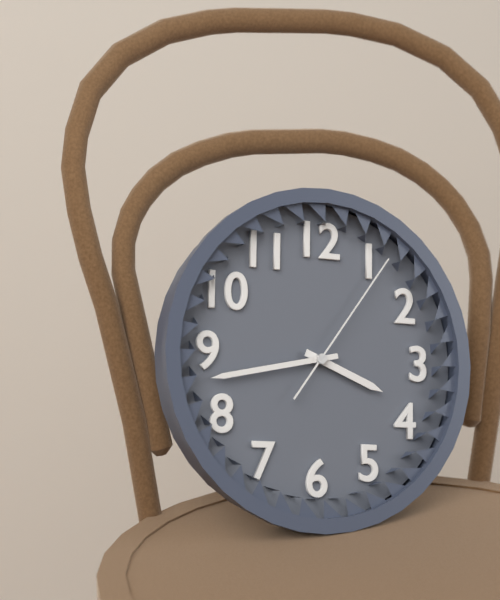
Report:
**3:43:06**
